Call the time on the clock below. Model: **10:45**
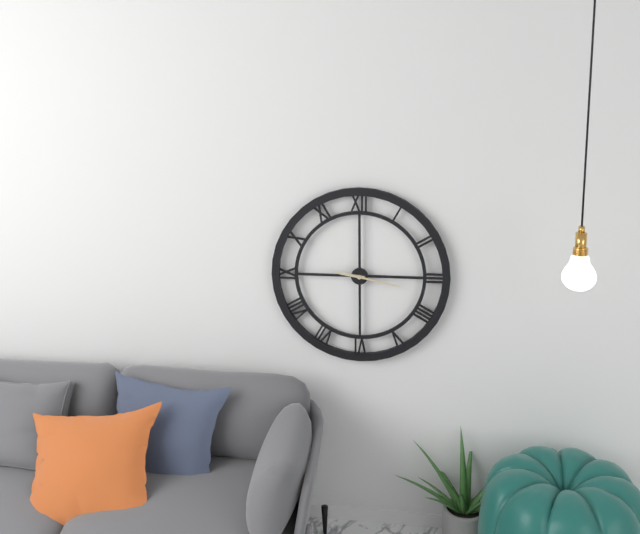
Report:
**9:17**
